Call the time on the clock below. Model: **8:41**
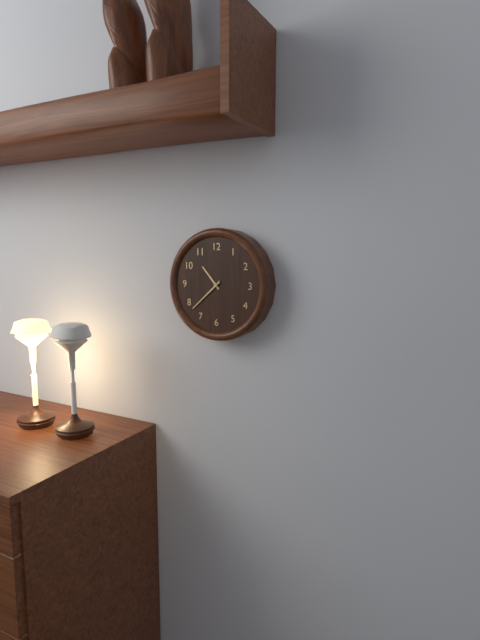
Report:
**10:38**
